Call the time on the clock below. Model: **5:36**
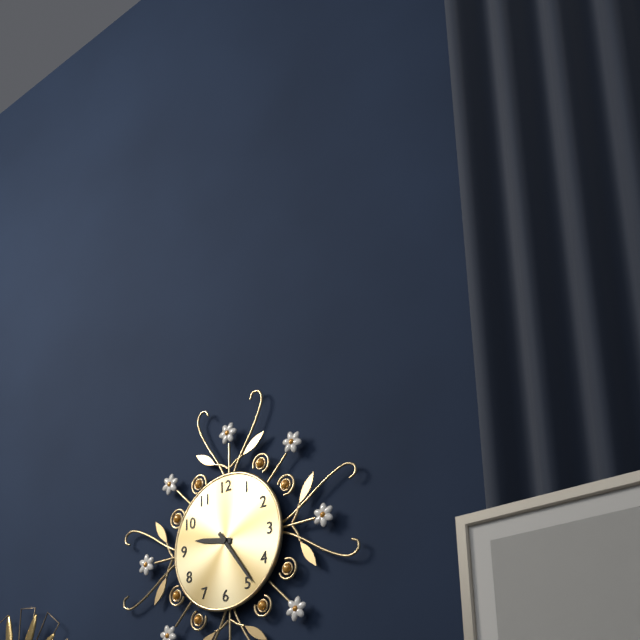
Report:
**9:24**
